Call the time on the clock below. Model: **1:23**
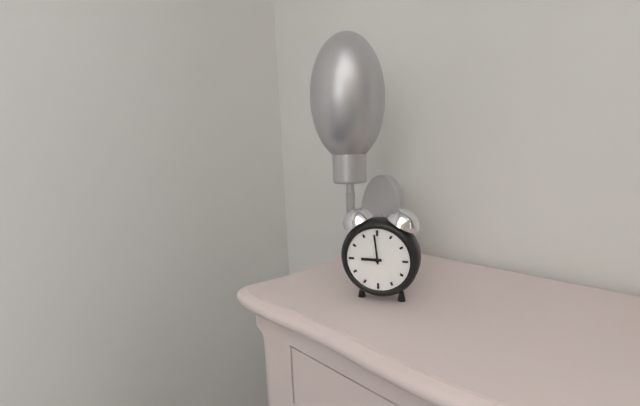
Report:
**8:59**
